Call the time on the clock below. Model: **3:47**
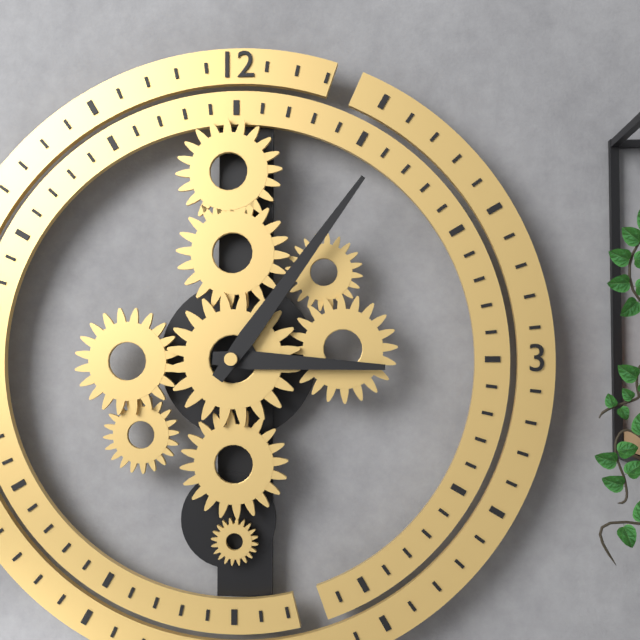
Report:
**3:06**
